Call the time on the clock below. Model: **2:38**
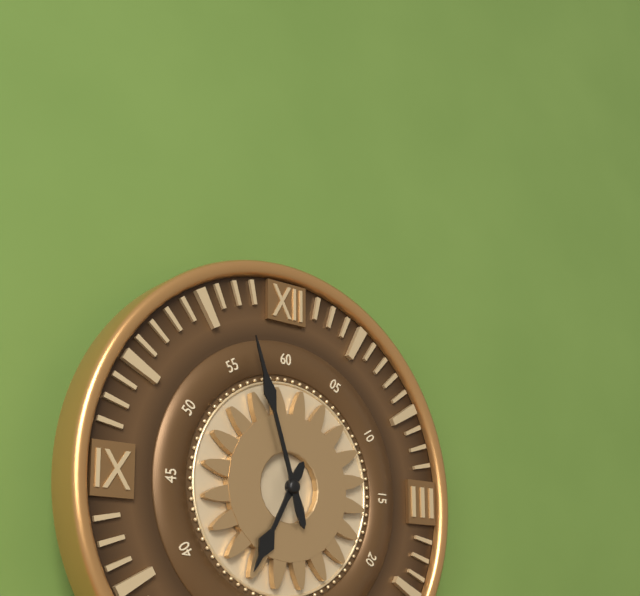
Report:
**6:57**
